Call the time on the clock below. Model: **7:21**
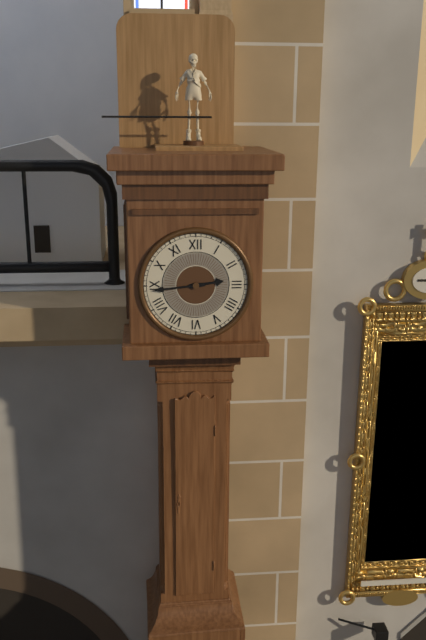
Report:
**2:44**
